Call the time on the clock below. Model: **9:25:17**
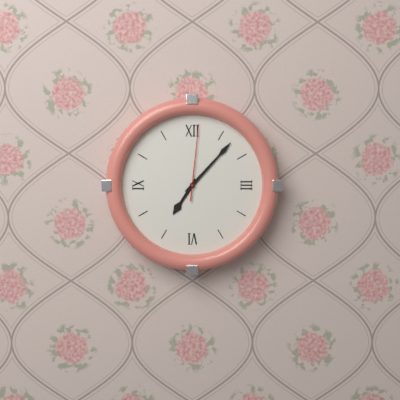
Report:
**7:07:01**
